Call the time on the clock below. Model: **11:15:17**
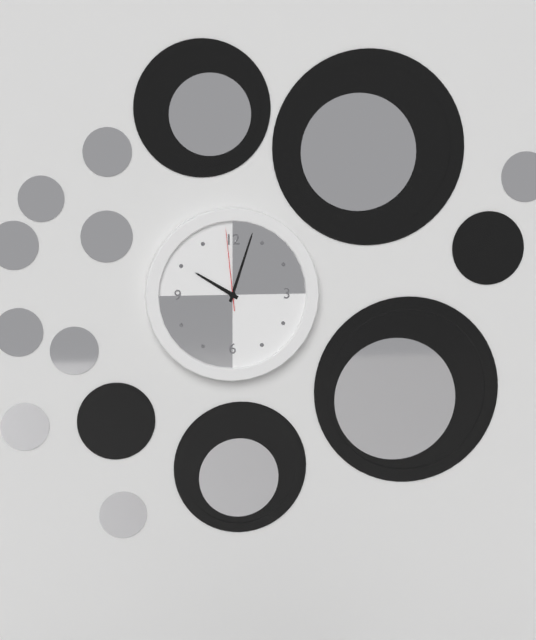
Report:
**10:03:59**
